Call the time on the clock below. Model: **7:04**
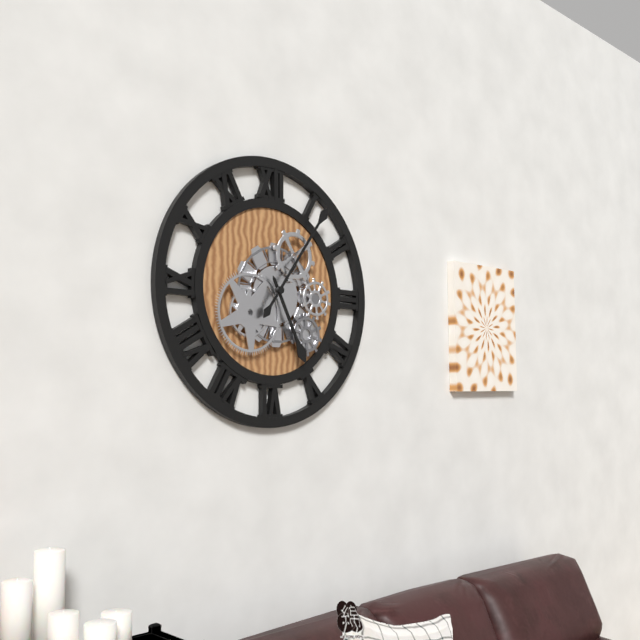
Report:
**5:06**
